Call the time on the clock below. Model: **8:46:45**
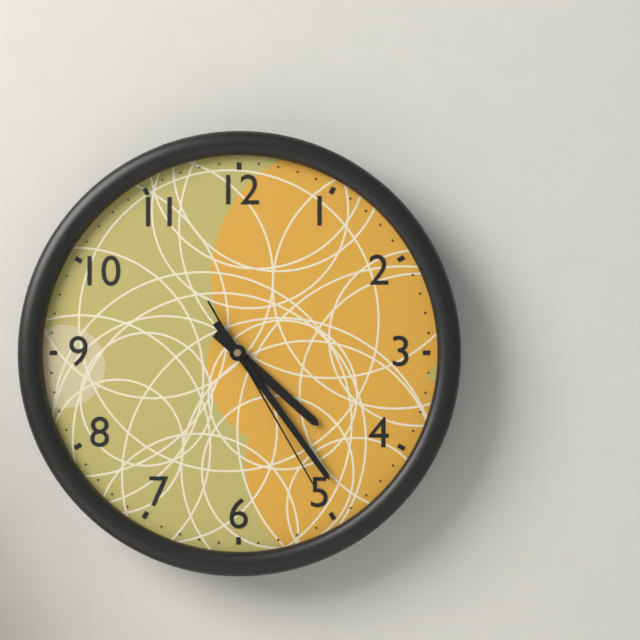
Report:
**4:24:25**
